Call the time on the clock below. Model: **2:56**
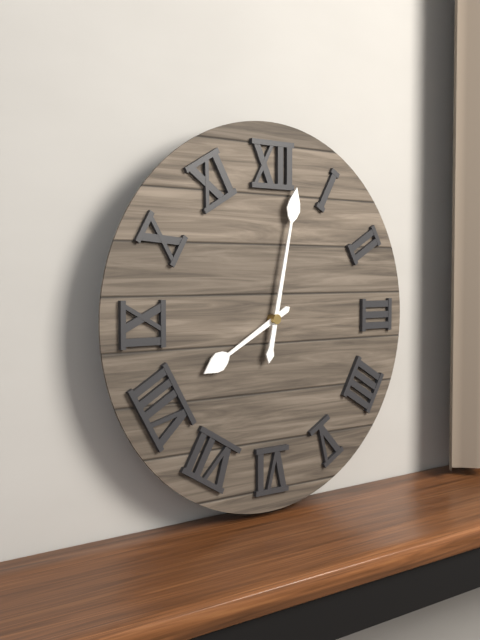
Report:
**8:02**
